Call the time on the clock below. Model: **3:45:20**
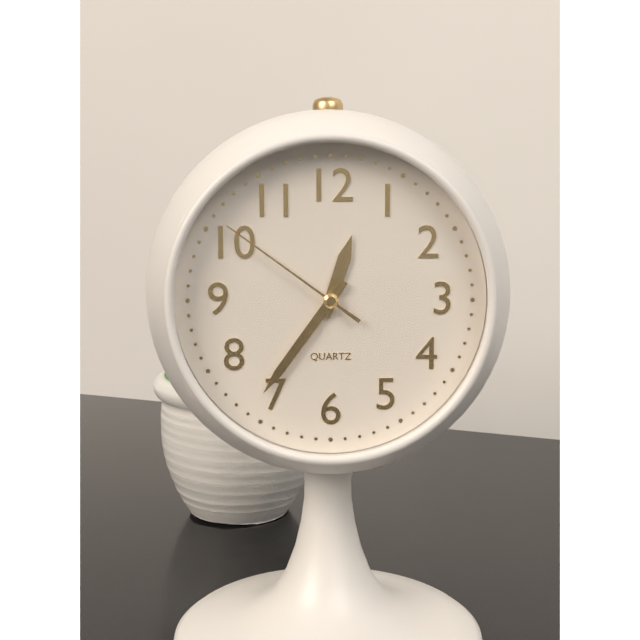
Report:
**12:36:51**
